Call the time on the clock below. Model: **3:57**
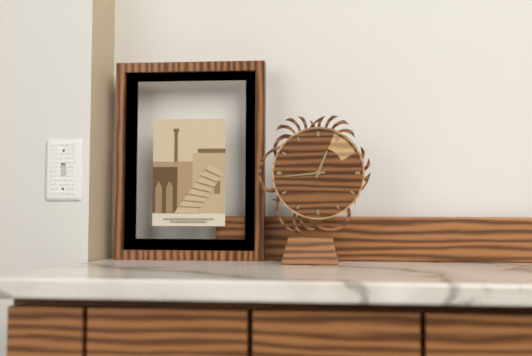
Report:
**12:44**
